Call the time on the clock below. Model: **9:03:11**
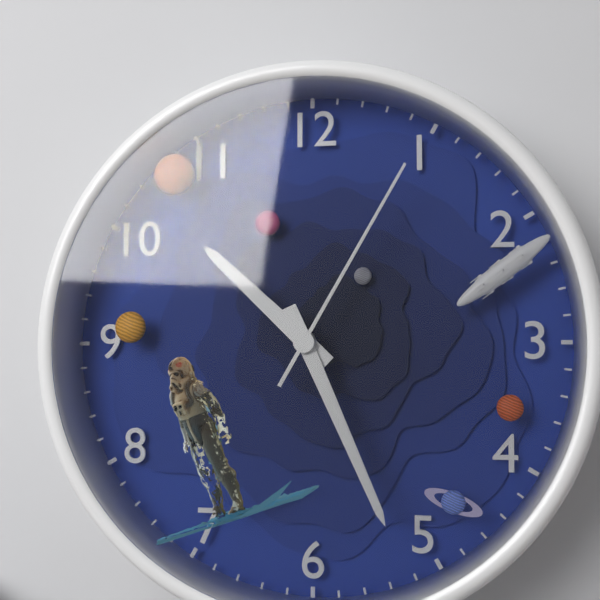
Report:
**10:26:05**
